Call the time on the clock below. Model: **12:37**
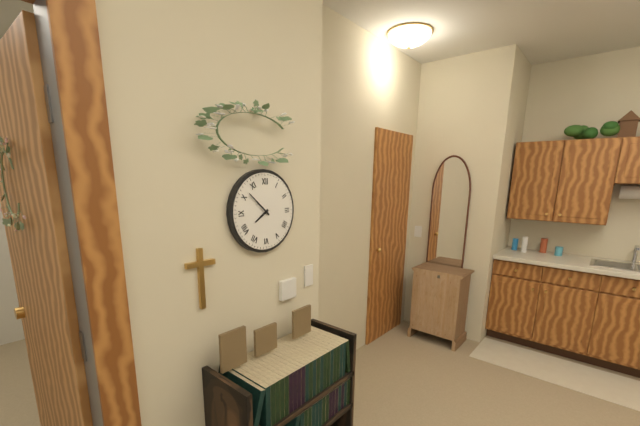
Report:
**7:52**
